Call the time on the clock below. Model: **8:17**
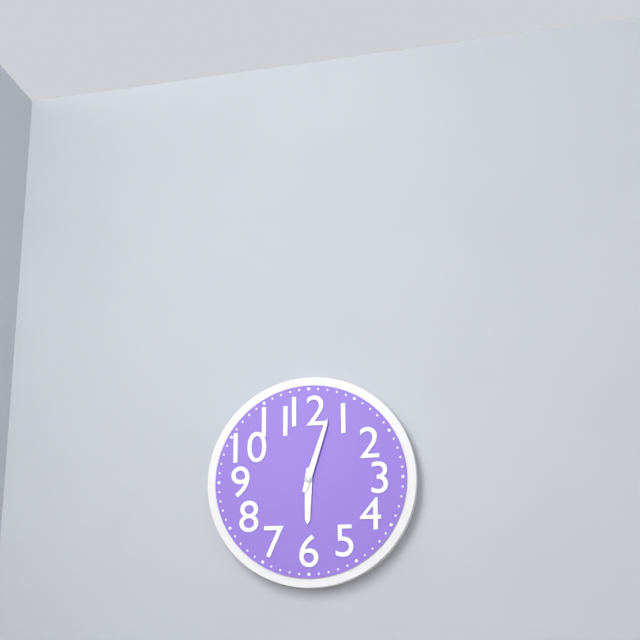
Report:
**6:03**
